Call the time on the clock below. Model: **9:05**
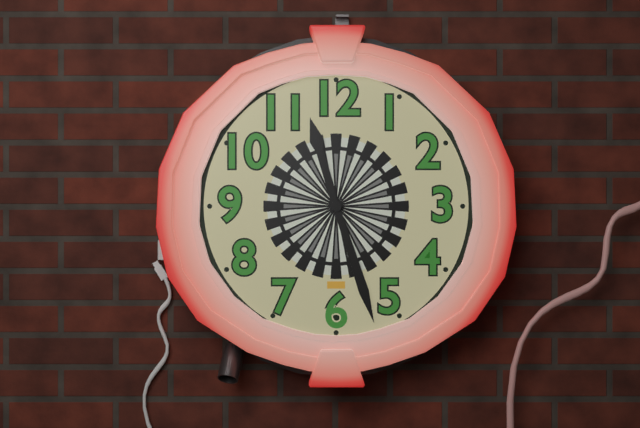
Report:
**11:27**
